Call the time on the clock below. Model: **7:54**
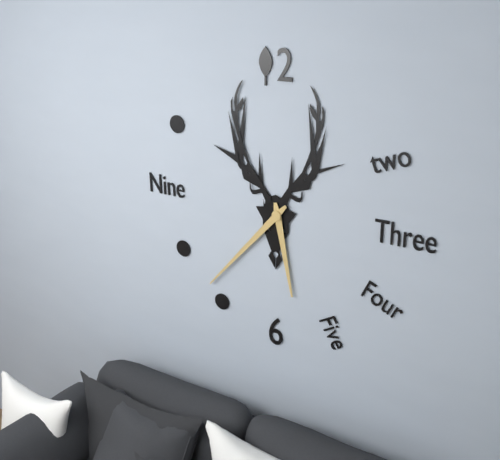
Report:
**5:37**
